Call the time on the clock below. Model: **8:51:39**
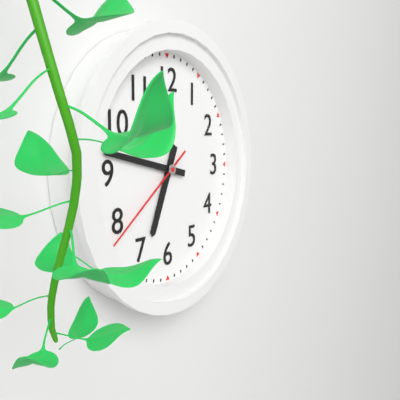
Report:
**6:47:39**
